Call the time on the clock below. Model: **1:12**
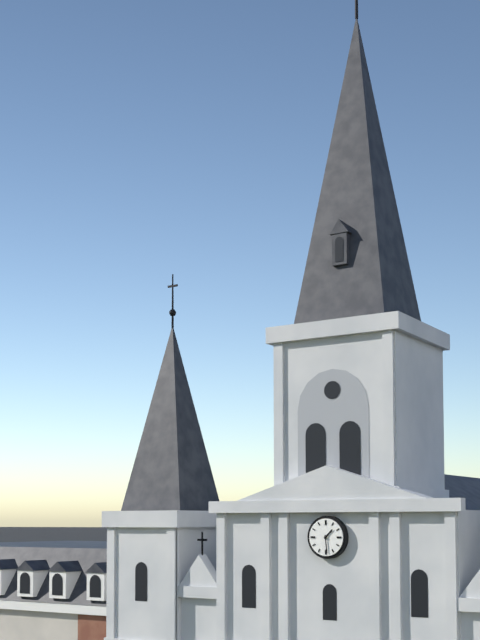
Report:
**1:29**
